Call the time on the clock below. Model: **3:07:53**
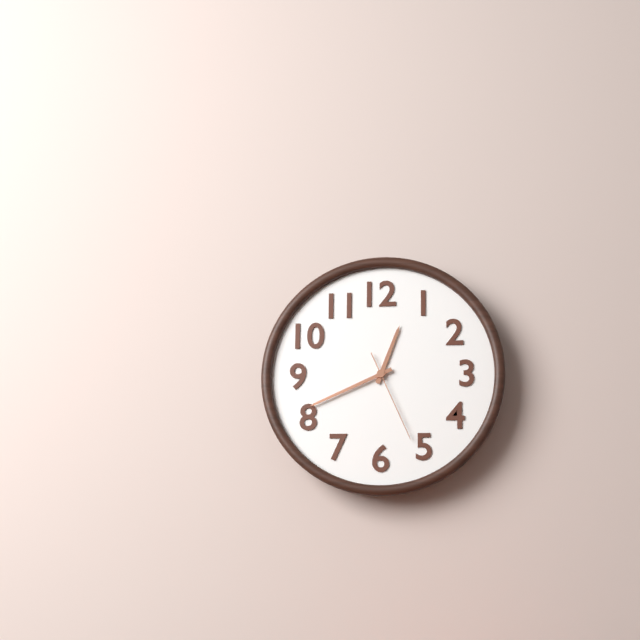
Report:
**12:41:26**
